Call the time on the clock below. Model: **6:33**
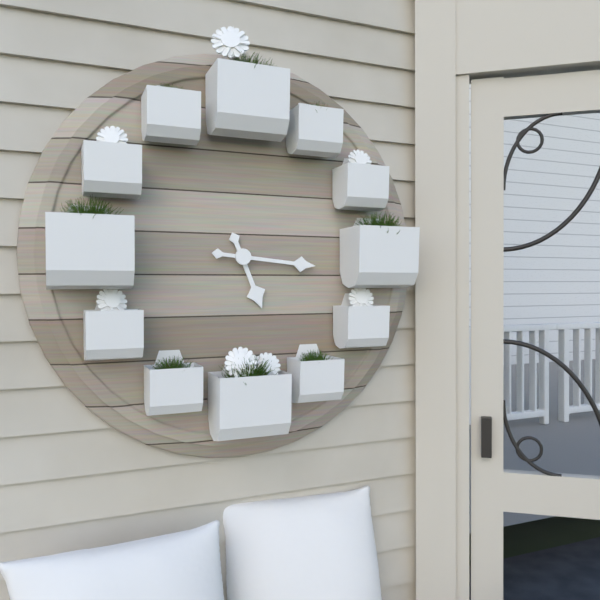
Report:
**5:16**
